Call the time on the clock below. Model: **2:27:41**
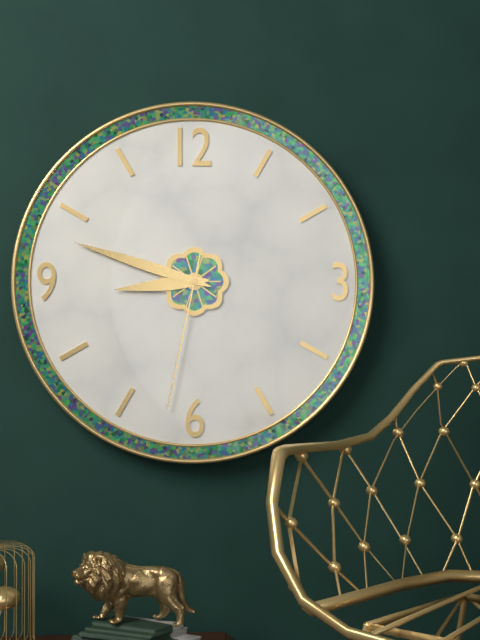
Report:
**8:48:32**
